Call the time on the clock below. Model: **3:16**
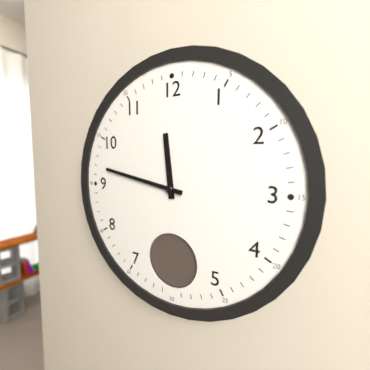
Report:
**11:47**
